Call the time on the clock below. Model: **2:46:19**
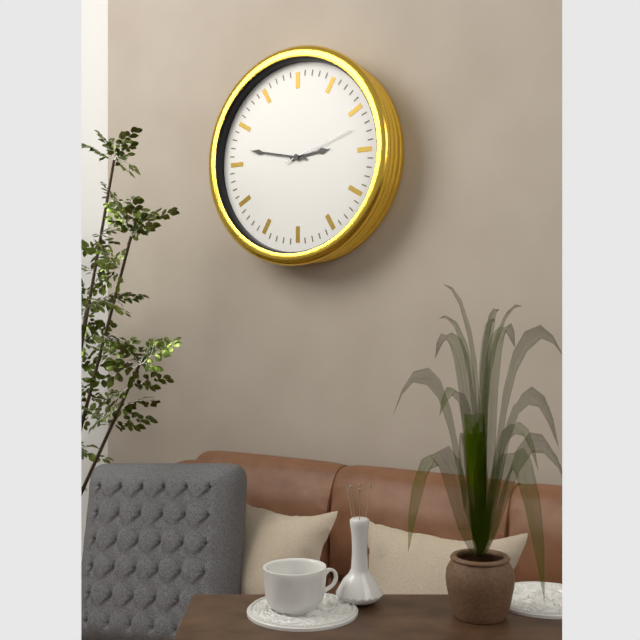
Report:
**2:47:12**
